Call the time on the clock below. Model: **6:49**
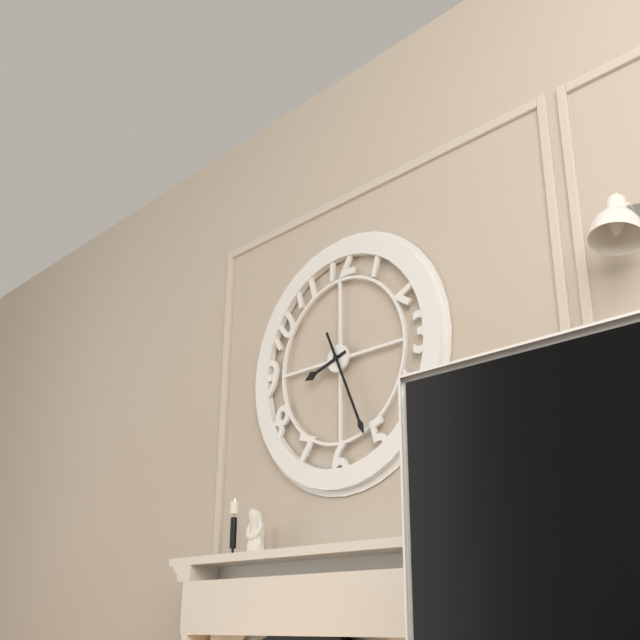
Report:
**8:26**
